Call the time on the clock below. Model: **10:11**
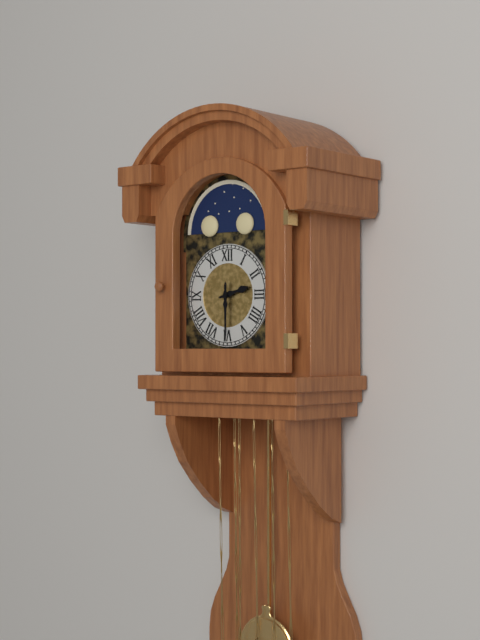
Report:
**2:30**
